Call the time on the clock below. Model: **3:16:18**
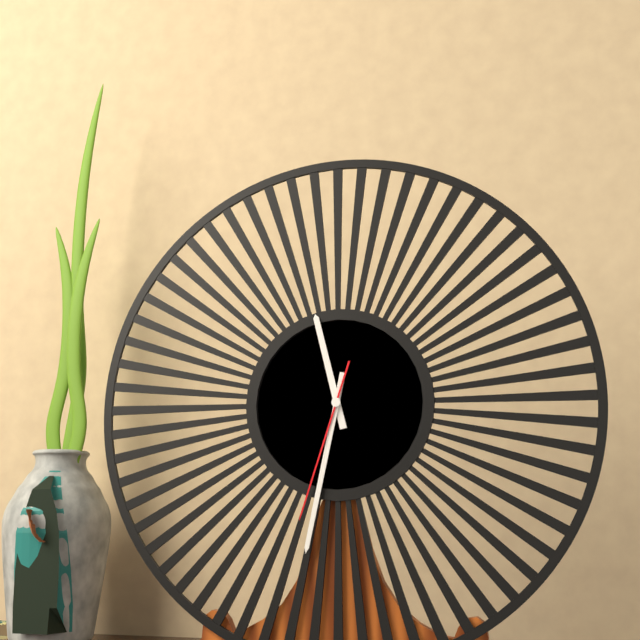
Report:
**11:32:33**
